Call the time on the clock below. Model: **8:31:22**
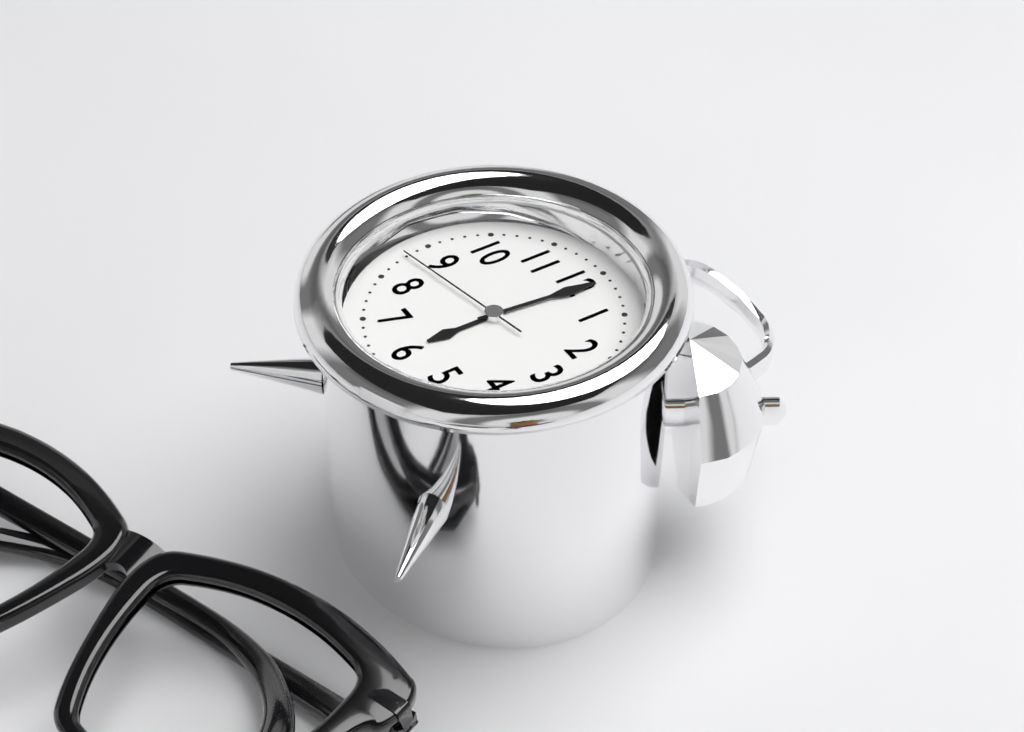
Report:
**6:01:43**
